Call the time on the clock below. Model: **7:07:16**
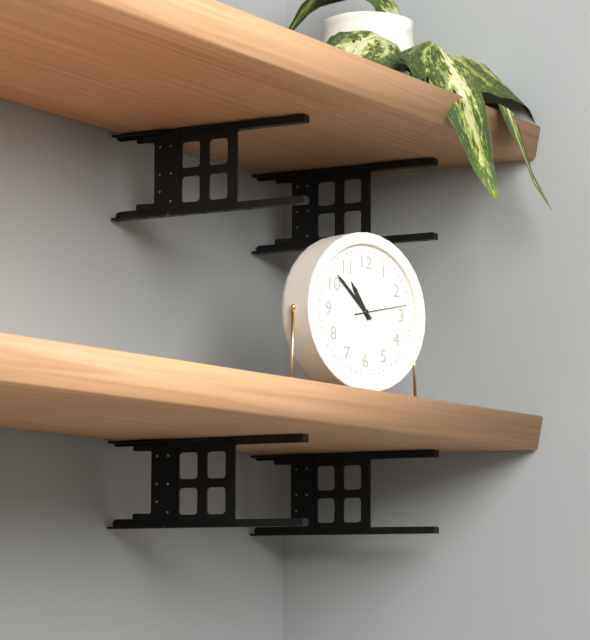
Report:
**10:52:13**
